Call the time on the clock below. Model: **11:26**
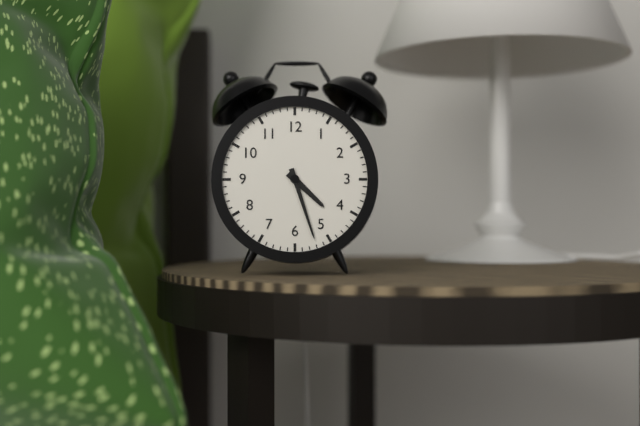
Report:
**4:27**
